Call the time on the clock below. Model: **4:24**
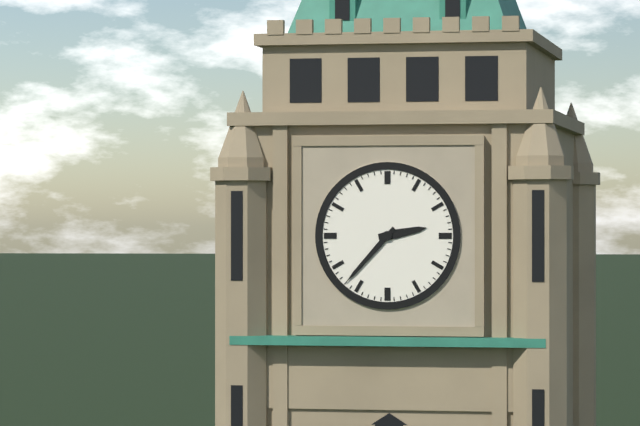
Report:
**2:37**
